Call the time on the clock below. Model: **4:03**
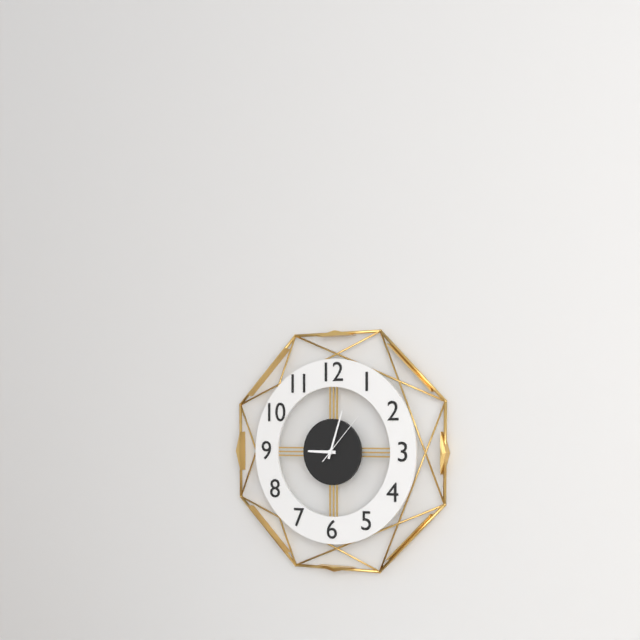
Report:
**9:03**
